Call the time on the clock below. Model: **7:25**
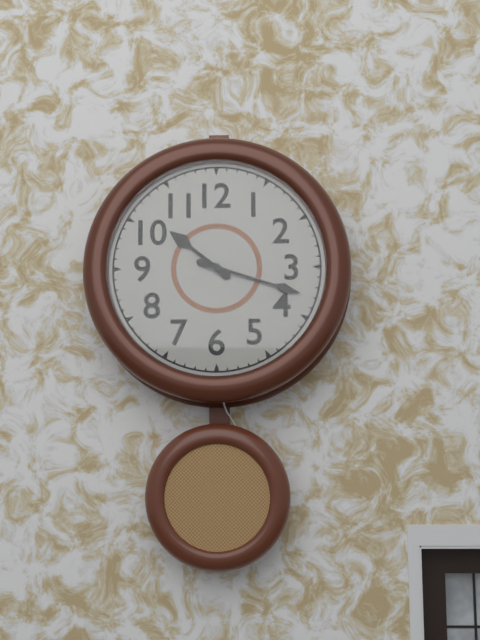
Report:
**10:18**
